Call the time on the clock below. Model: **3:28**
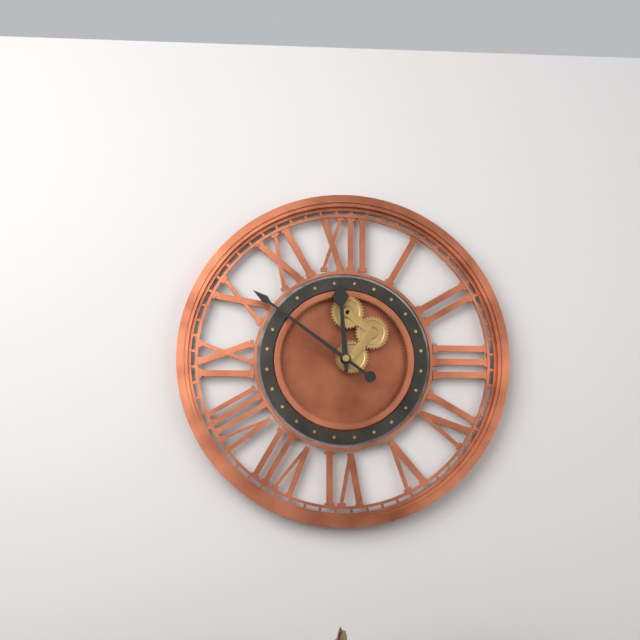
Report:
**11:51**
